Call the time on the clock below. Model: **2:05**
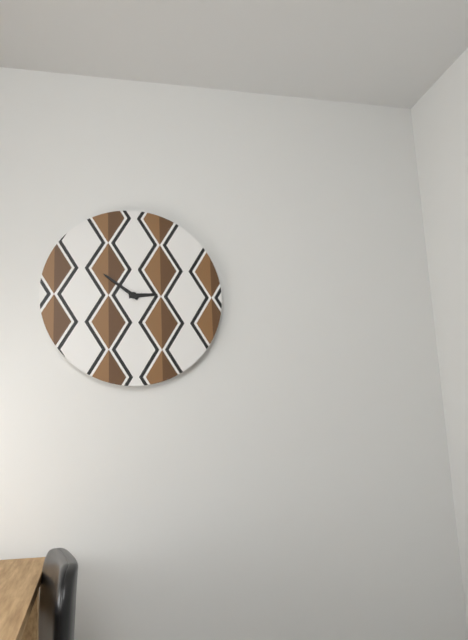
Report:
**2:51**
